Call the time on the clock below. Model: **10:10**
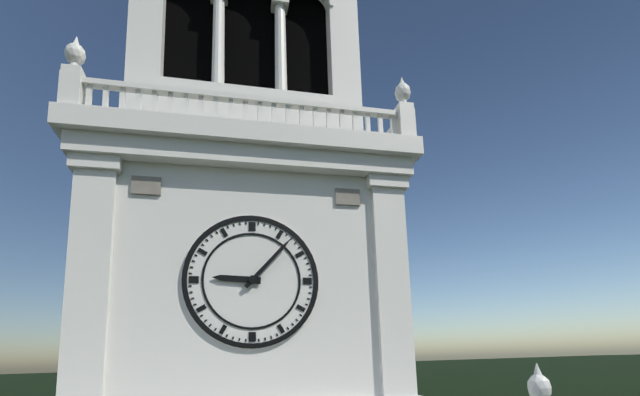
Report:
**9:07**
